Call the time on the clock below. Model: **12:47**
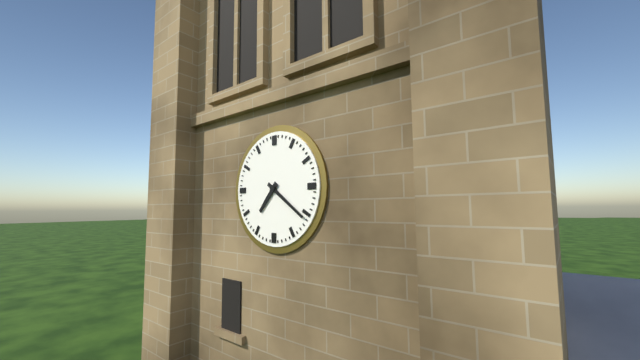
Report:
**7:21**
